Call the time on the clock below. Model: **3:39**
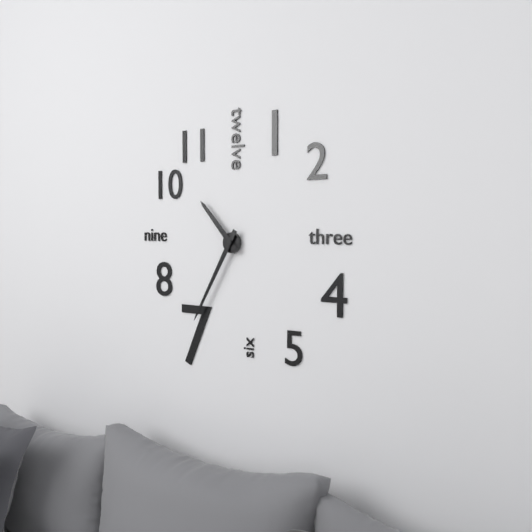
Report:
**10:35**
